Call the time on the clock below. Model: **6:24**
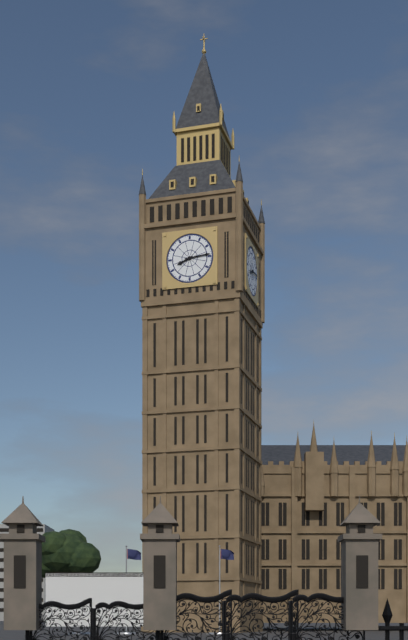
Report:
**8:14**
